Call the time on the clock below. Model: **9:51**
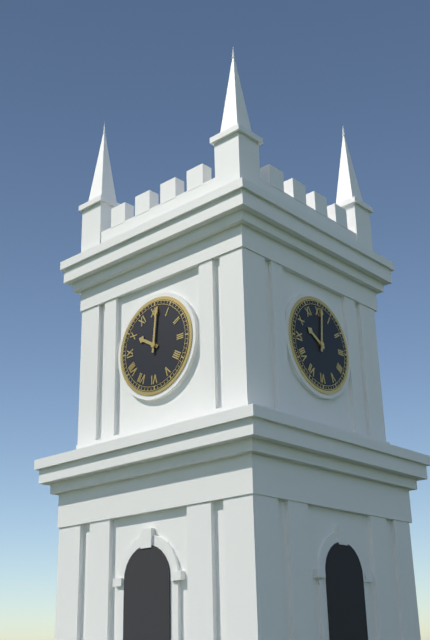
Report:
**10:01**
